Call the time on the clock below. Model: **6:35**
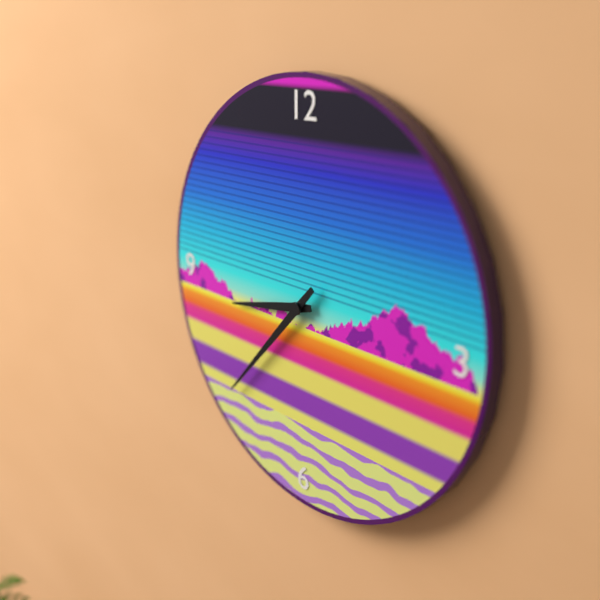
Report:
**8:37**
